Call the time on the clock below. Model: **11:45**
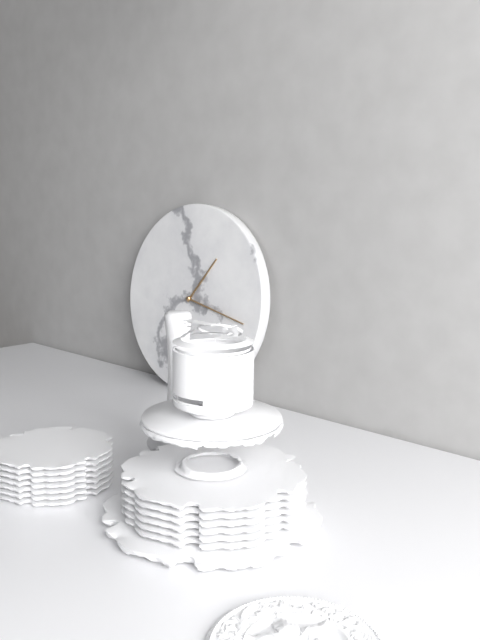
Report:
**1:17**
